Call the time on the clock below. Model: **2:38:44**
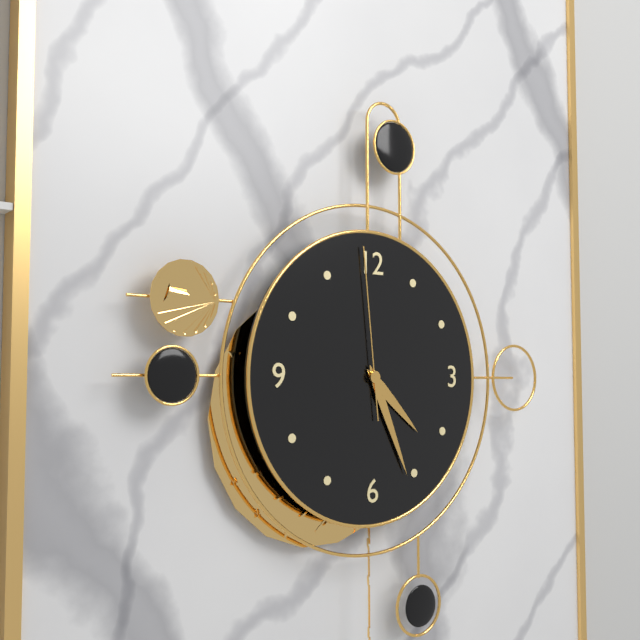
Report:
**4:26:59**
